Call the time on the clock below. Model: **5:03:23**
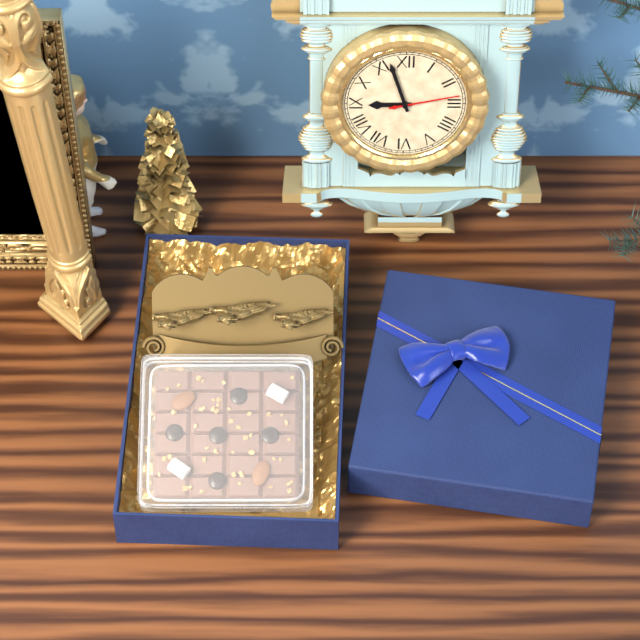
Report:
**8:57:13**
